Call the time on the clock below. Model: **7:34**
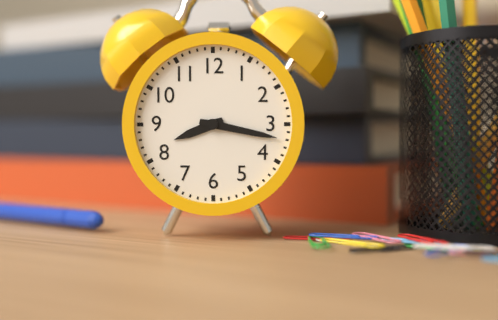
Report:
**8:17**
